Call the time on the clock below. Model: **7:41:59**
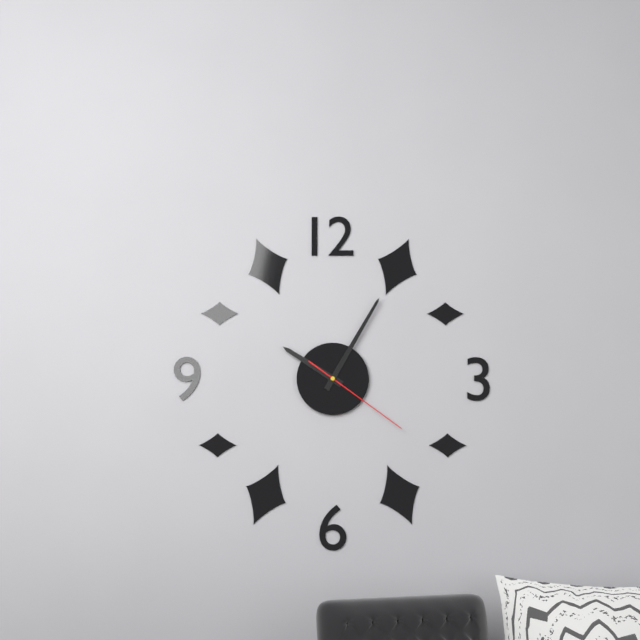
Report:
**10:05:21**
